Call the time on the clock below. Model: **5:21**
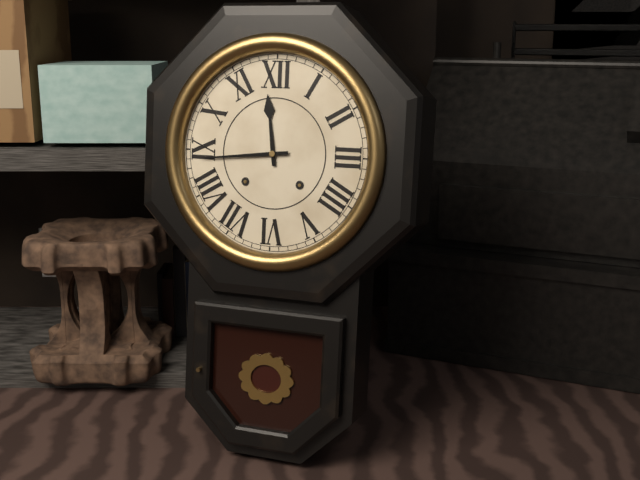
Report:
**11:44**
